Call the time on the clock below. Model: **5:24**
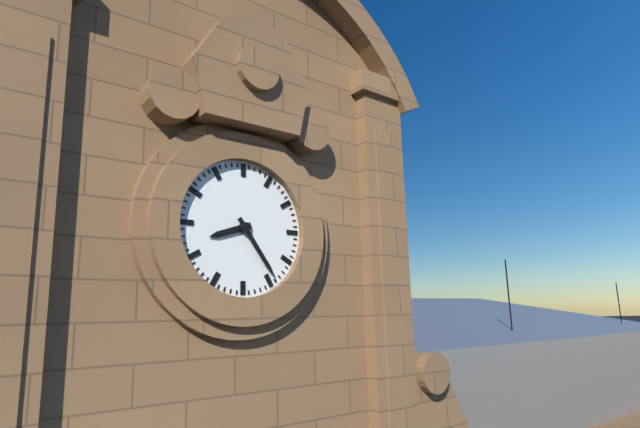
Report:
**8:24**
